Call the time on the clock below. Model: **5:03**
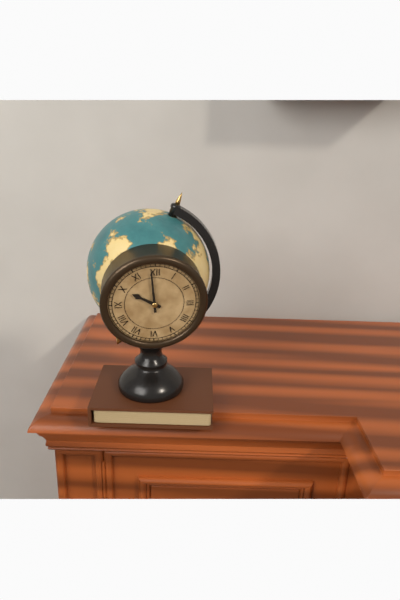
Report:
**9:59**
